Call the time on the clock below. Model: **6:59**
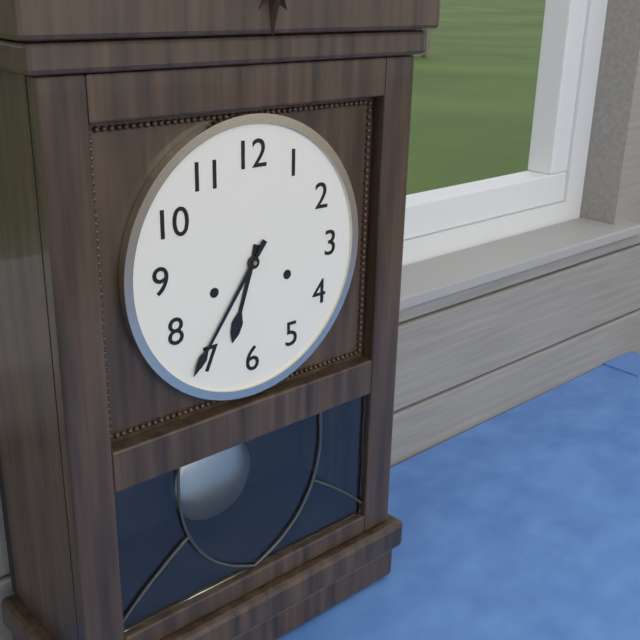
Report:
**6:36**
